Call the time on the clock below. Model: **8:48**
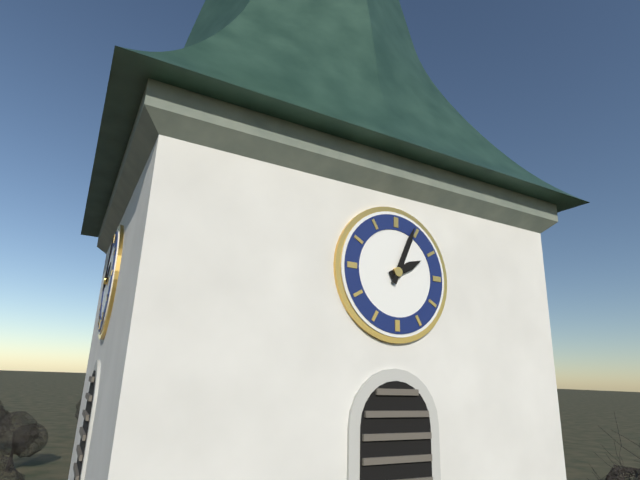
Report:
**2:04**
